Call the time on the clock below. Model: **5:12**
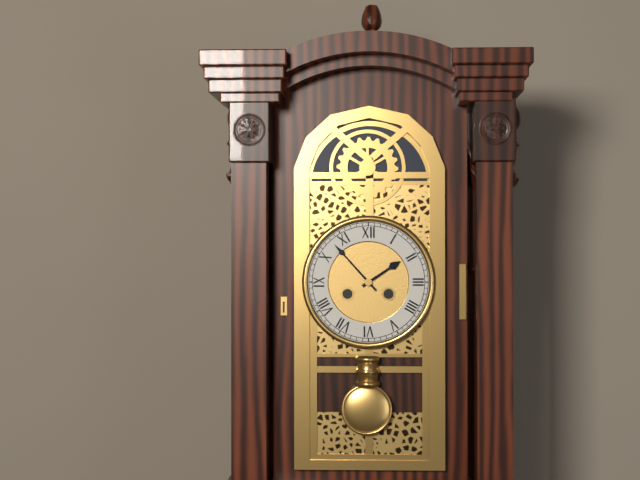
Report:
**1:53**
